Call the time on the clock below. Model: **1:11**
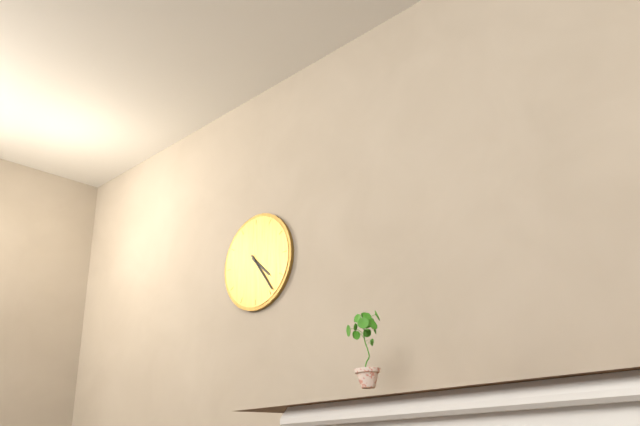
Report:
**4:24**
